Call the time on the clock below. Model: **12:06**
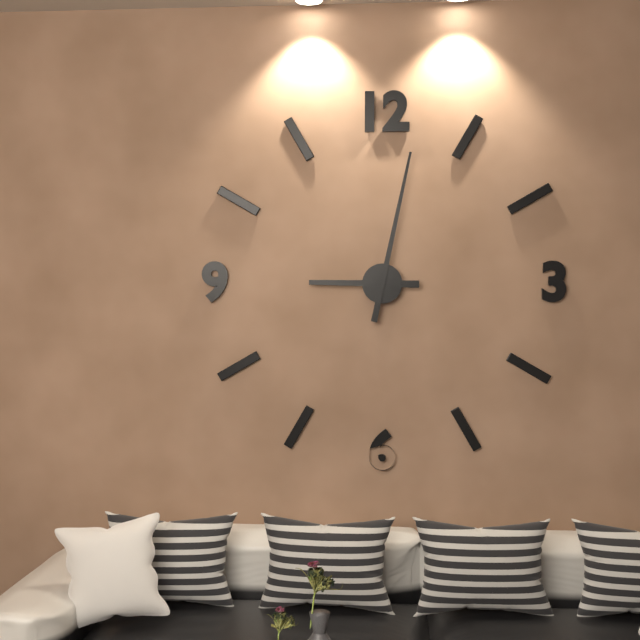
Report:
**9:02**
